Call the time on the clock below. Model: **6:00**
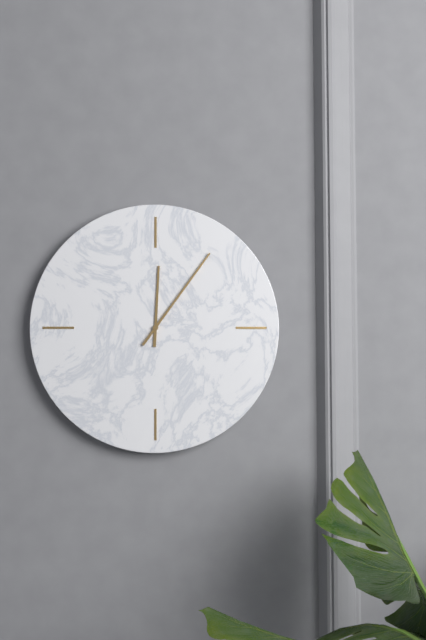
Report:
**12:06**
